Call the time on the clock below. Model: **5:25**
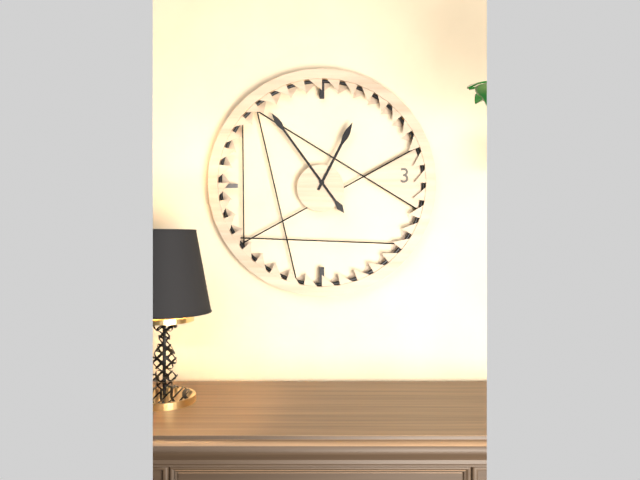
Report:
**12:54**
